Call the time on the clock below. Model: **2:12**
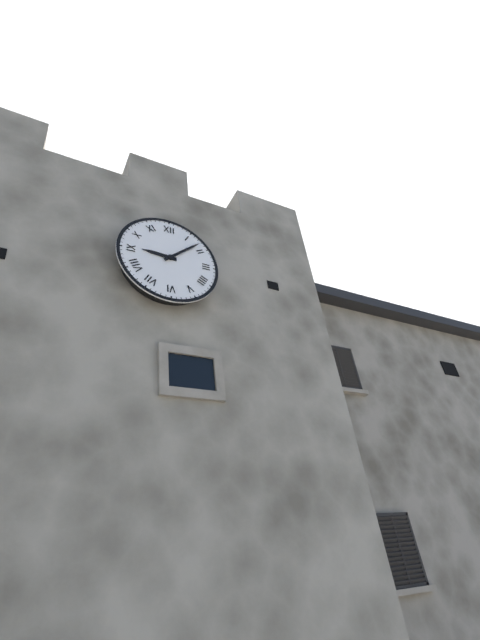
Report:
**9:08**
